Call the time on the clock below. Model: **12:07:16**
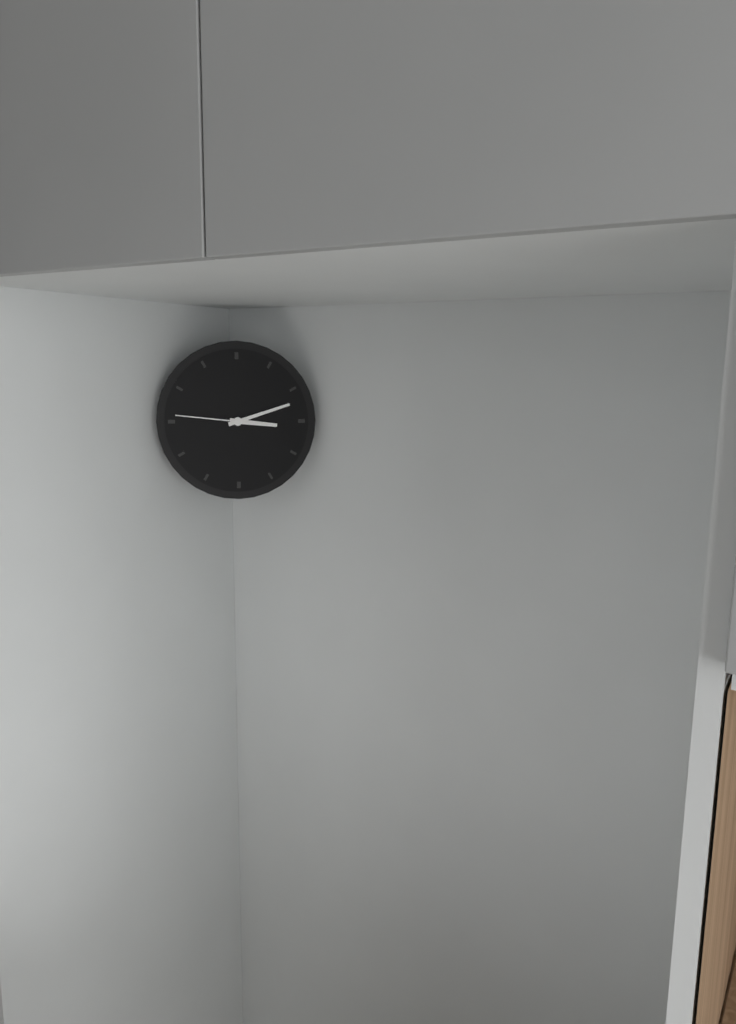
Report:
**3:12:46**
